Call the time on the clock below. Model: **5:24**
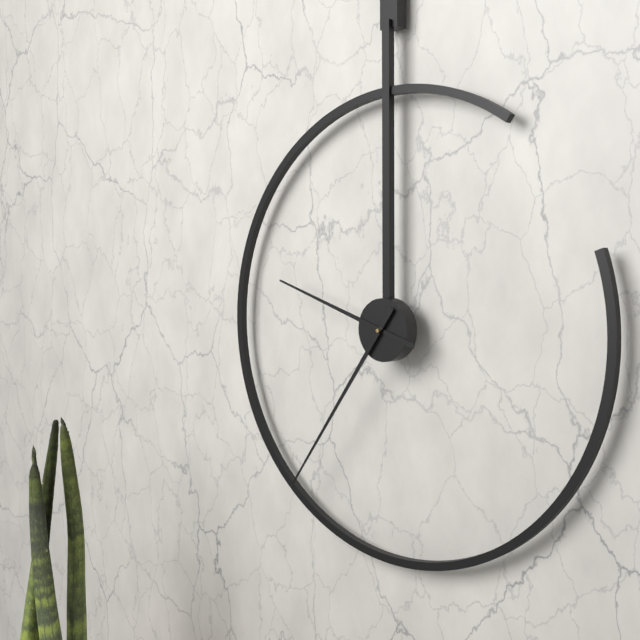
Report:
**9:36**
